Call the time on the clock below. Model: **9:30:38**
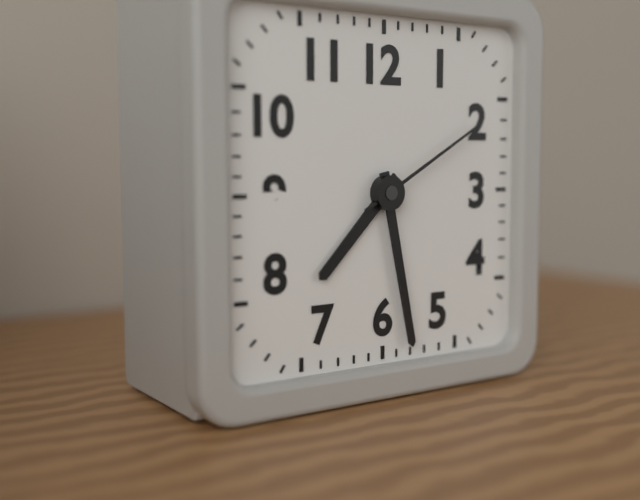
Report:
**7:28:10**
